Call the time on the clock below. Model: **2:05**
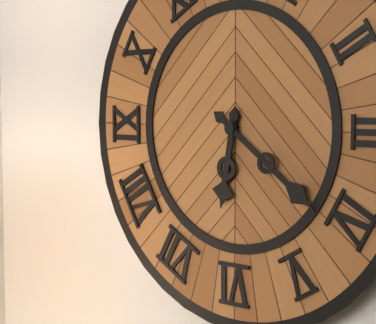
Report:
**6:21**
